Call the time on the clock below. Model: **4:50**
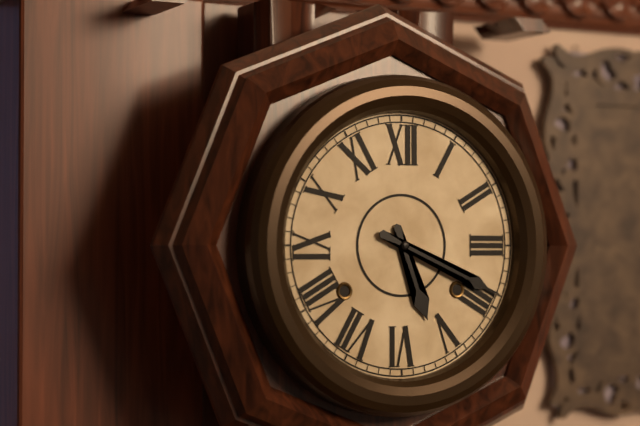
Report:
**5:19**
